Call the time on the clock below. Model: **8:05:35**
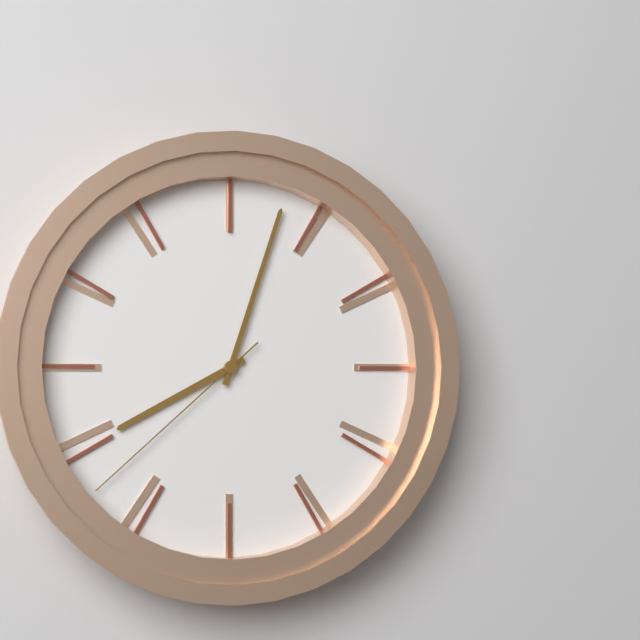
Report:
**8:03:38**
